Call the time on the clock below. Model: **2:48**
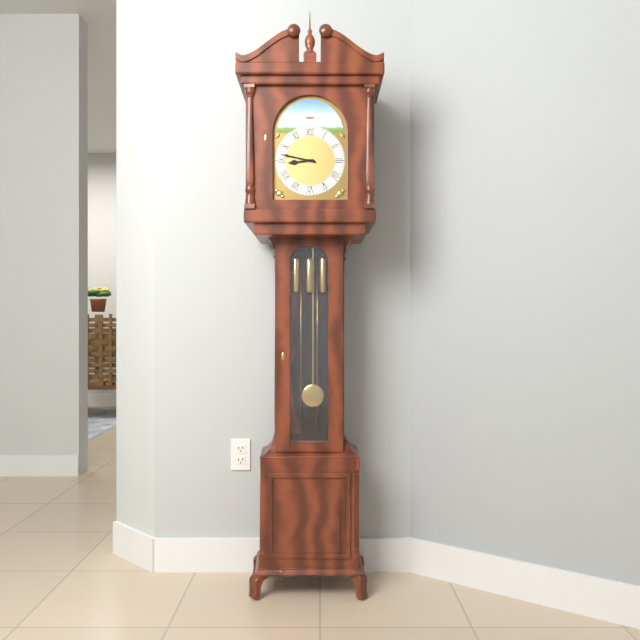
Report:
**8:47**
